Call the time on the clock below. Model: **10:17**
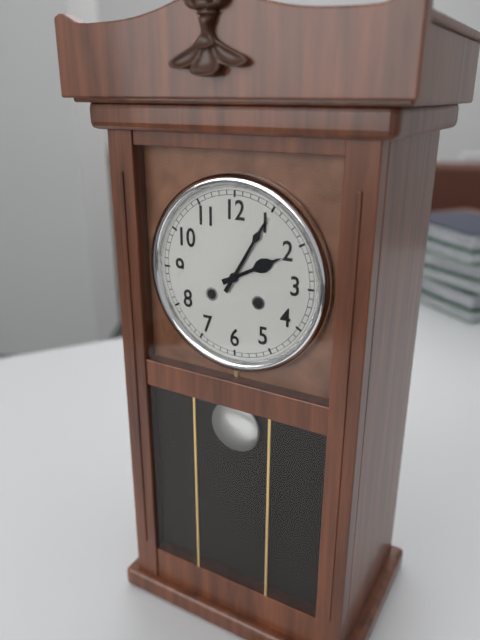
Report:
**2:05**
